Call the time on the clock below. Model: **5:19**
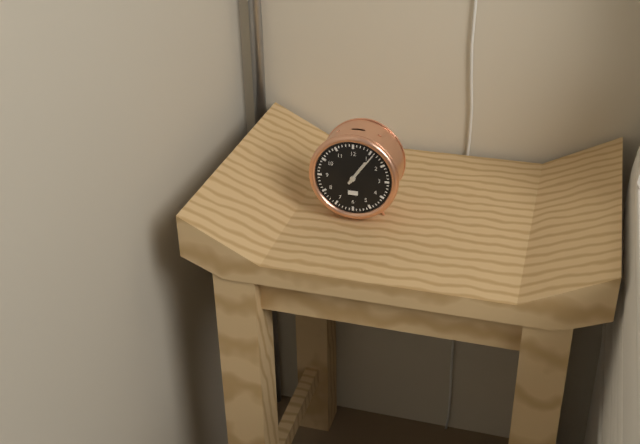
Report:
**1:06**
